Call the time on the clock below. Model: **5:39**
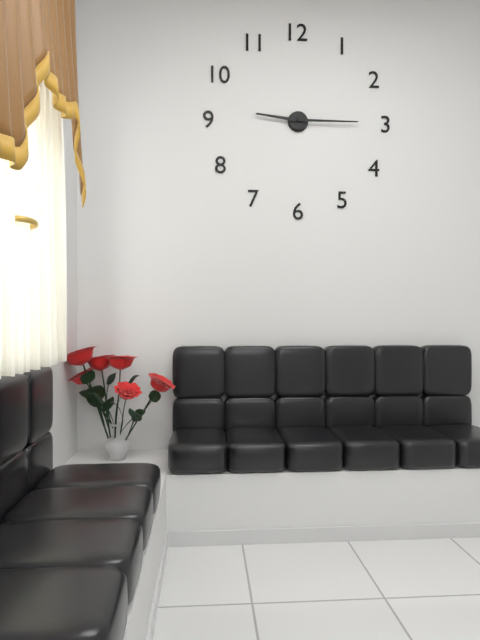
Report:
**9:15**
